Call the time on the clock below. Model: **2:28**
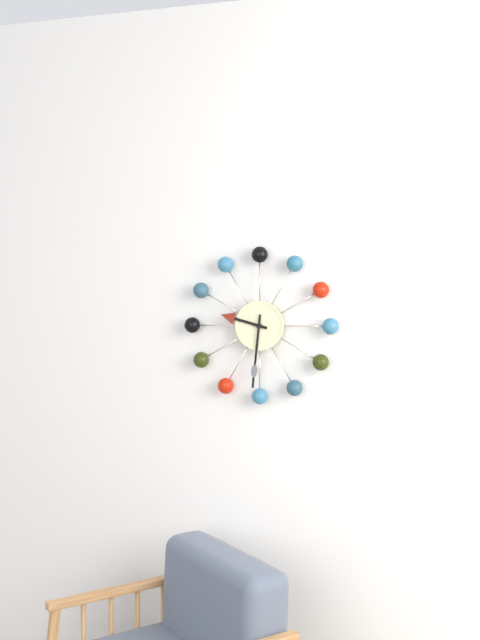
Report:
**9:31**
